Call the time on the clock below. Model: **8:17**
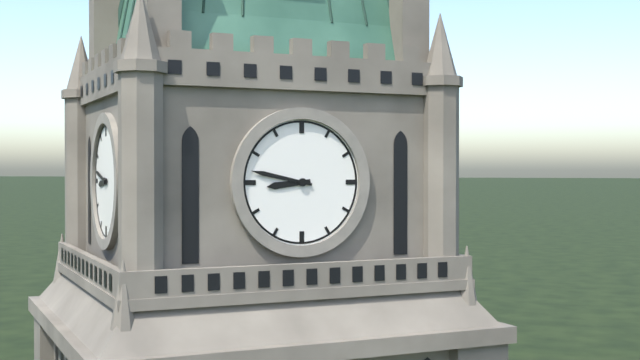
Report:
**8:47**
